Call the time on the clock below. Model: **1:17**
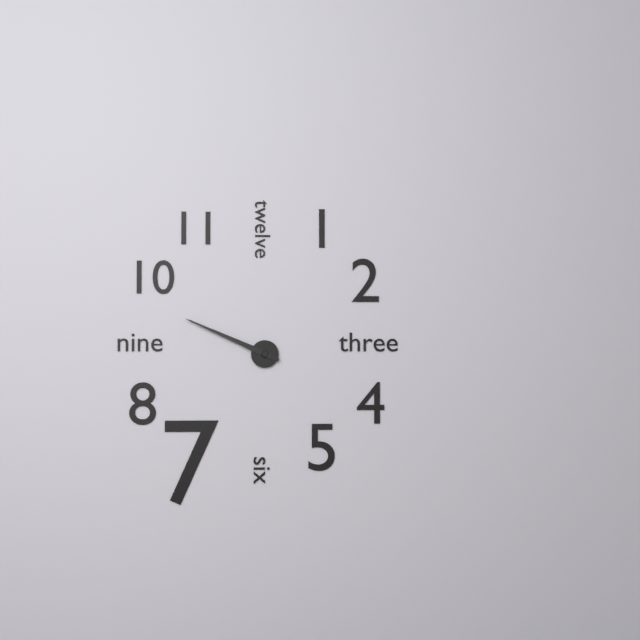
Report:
**9:49**
